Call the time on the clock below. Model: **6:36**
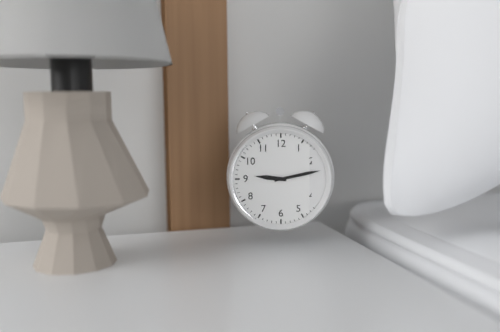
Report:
**9:13**
